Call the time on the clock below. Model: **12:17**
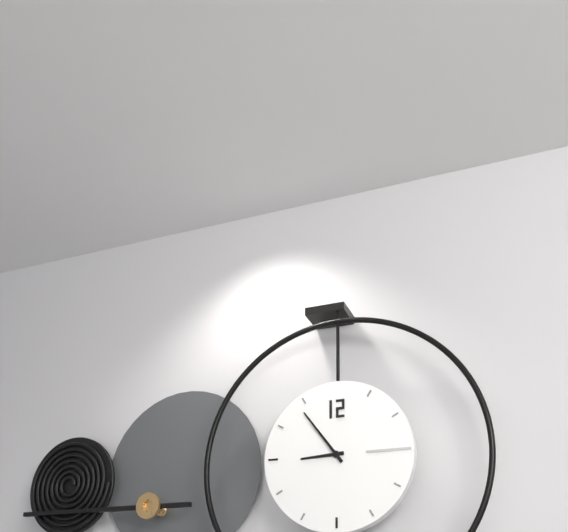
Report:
**8:54**
